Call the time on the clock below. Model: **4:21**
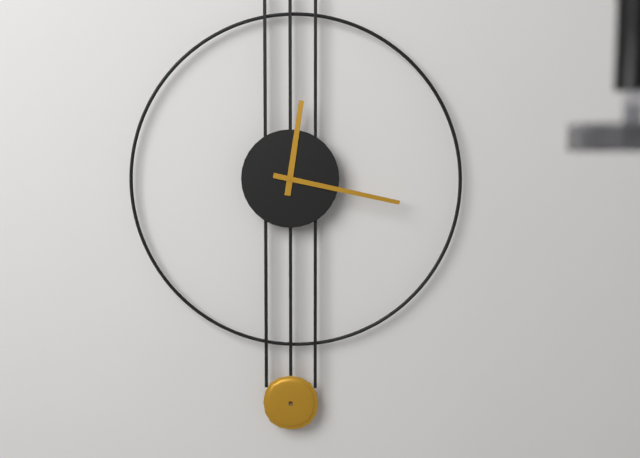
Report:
**12:17**
